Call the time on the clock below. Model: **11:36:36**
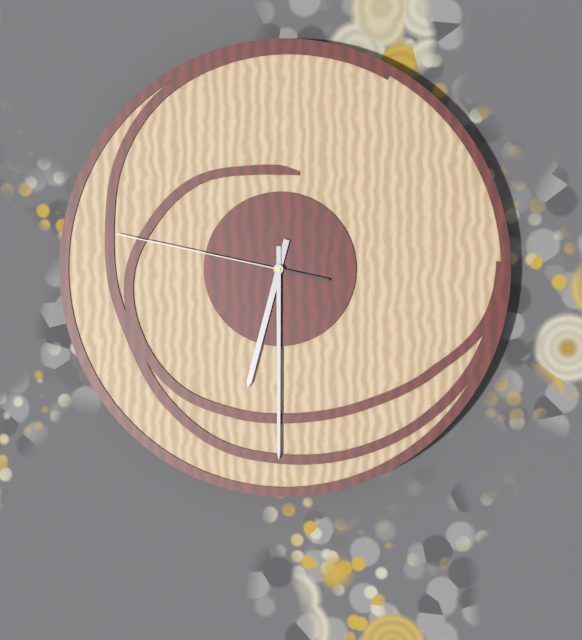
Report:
**6:30:47**
